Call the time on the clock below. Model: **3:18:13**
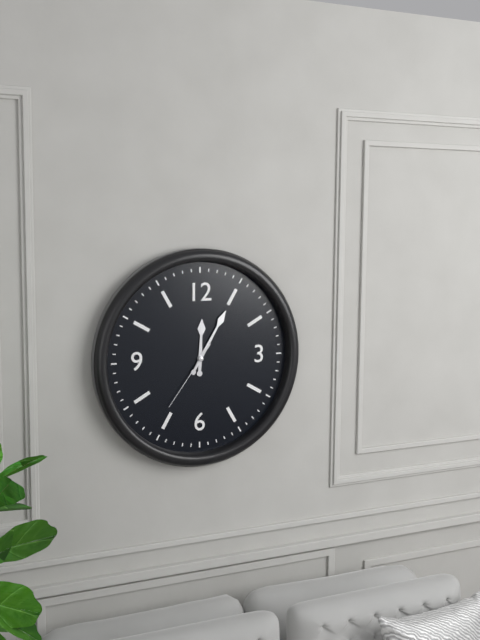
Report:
**12:05:36**
